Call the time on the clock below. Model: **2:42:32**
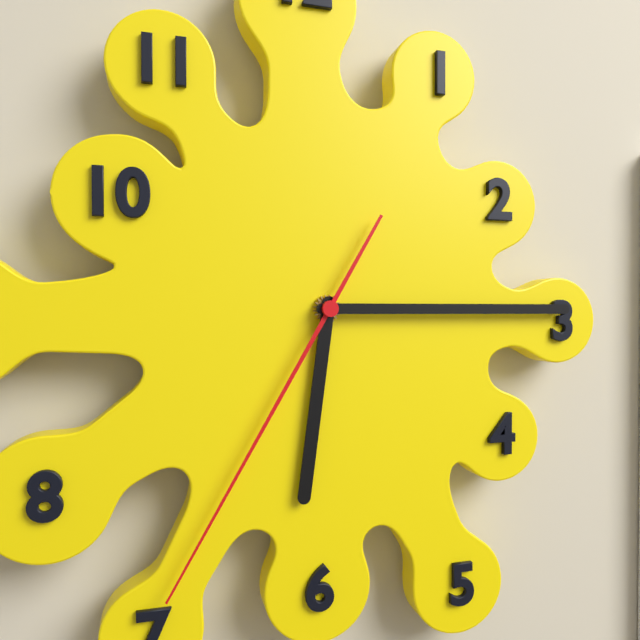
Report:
**6:15:35**
